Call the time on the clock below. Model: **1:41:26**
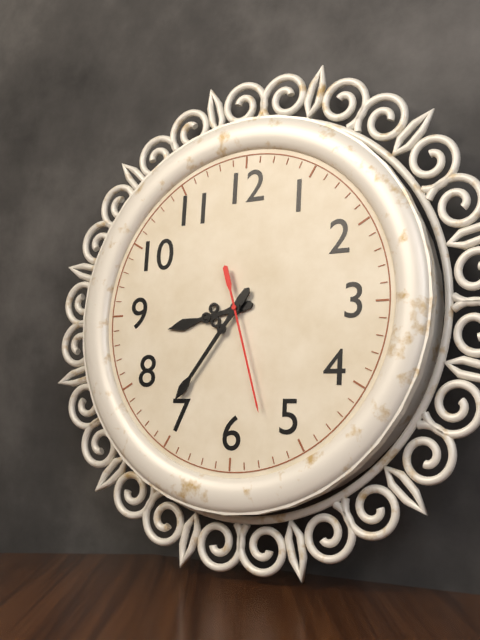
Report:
**8:36:27**
